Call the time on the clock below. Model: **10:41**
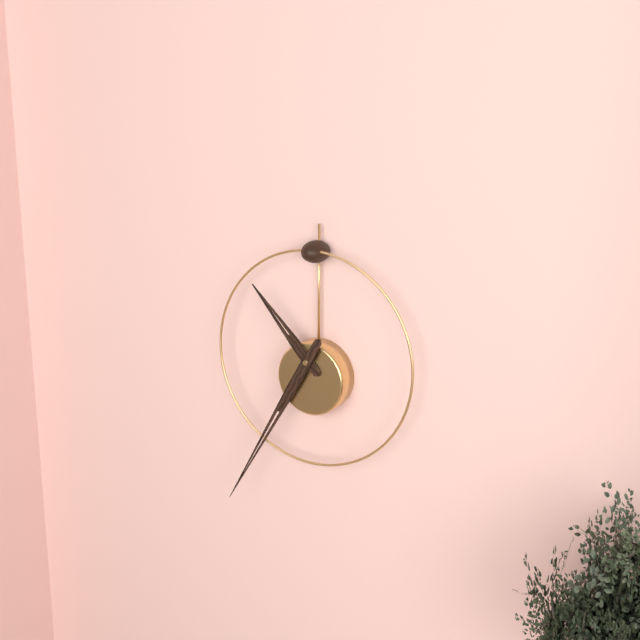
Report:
**10:35**
